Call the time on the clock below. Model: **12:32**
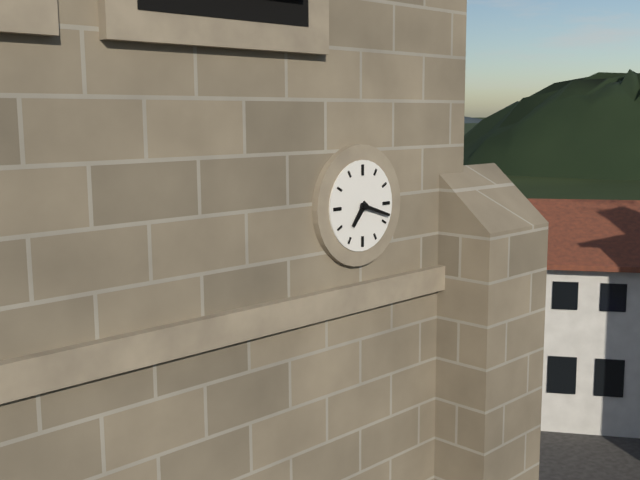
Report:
**7:18**
